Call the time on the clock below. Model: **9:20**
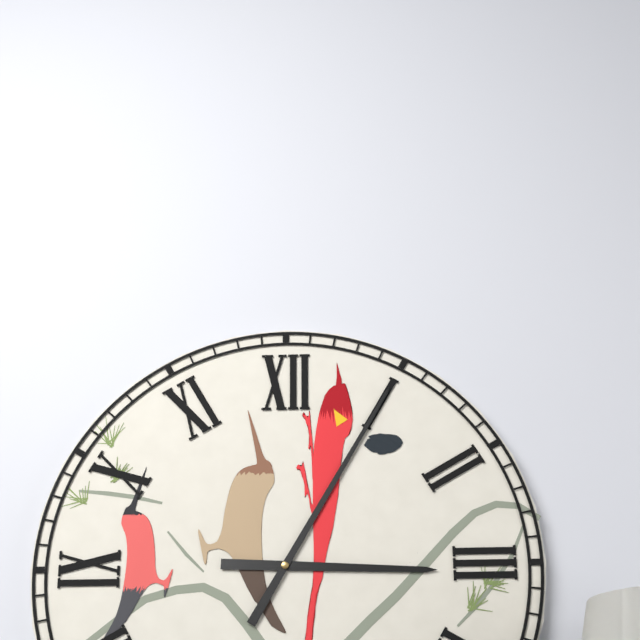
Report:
**3:05**
